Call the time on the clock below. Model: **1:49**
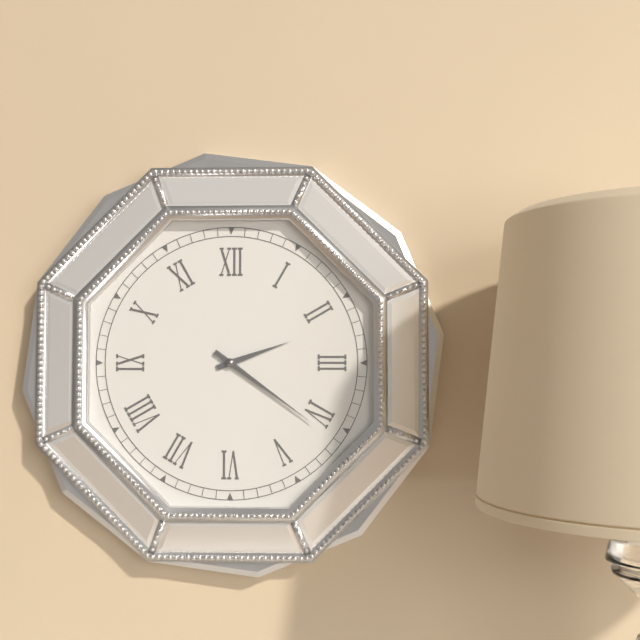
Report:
**2:21**
